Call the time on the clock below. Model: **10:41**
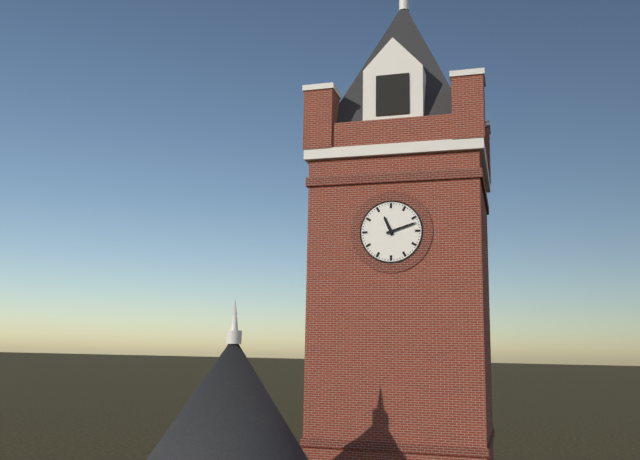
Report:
**11:12**
